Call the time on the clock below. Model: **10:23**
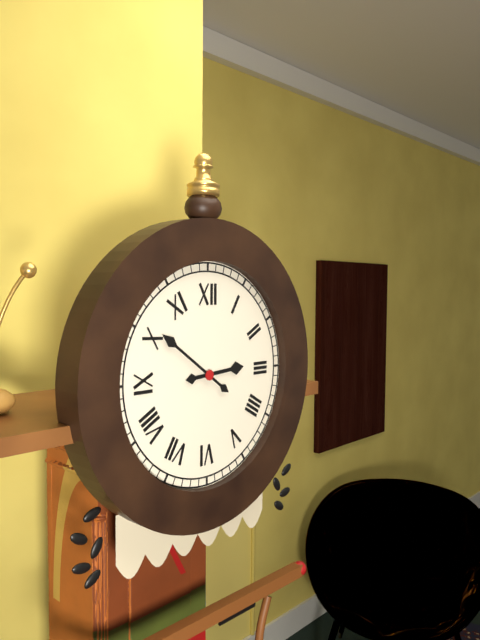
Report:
**2:51**
